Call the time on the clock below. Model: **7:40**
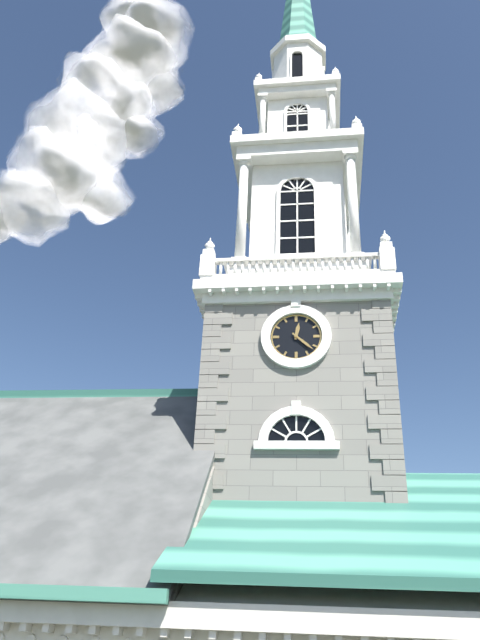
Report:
**12:22**
